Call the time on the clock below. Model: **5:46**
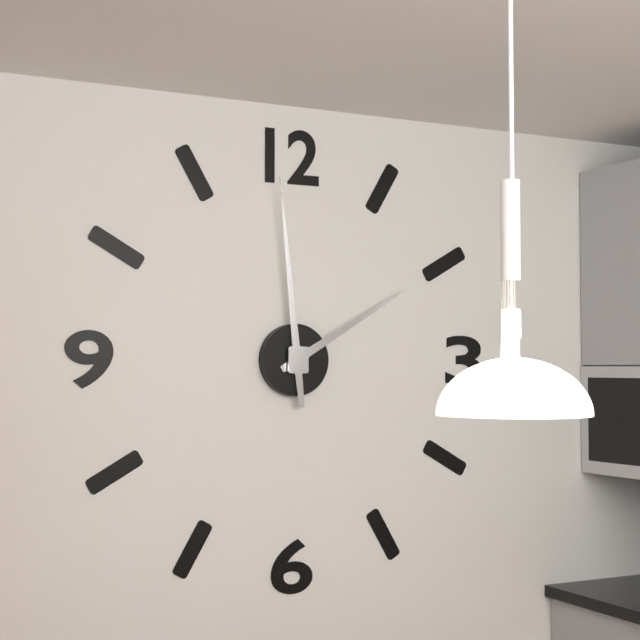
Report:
**1:59**
